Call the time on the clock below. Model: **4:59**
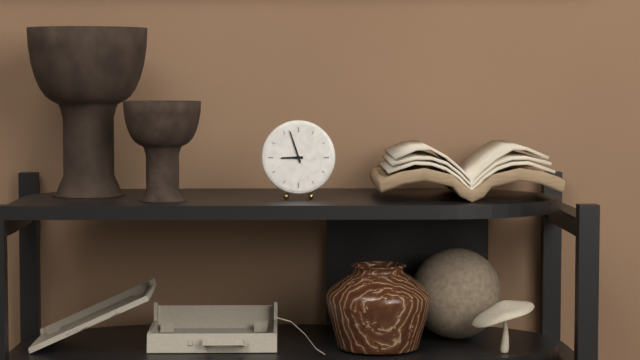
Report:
**8:57**
